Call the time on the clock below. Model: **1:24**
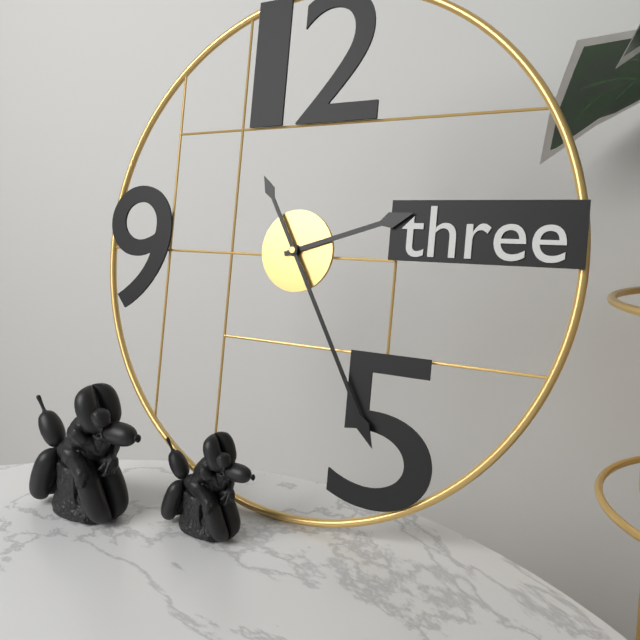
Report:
**2:25**
